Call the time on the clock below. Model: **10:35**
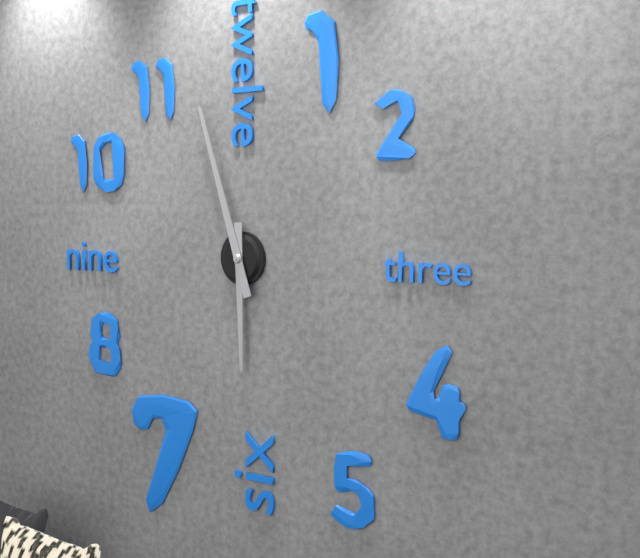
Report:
**5:57**
